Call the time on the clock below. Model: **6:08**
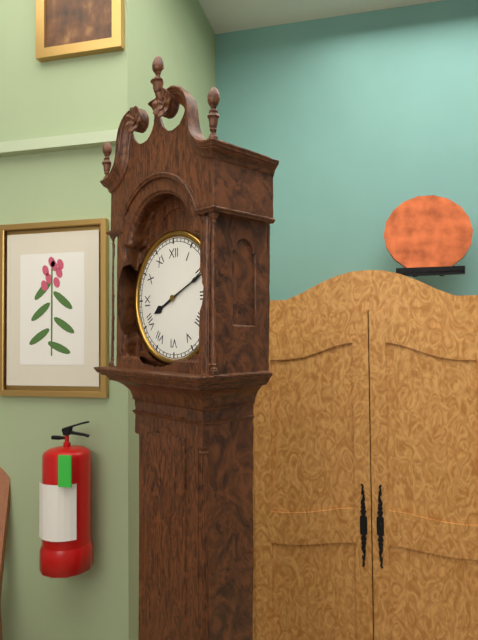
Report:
**8:11**
